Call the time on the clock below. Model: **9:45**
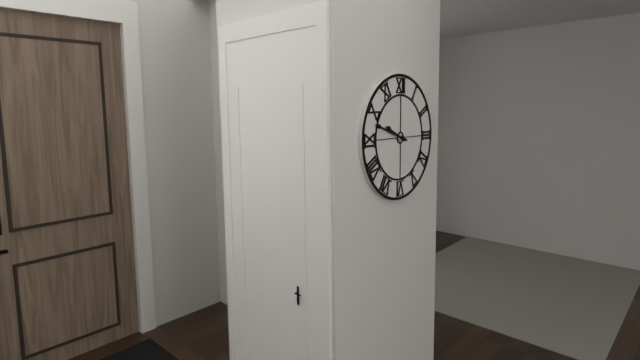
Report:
**9:48**
